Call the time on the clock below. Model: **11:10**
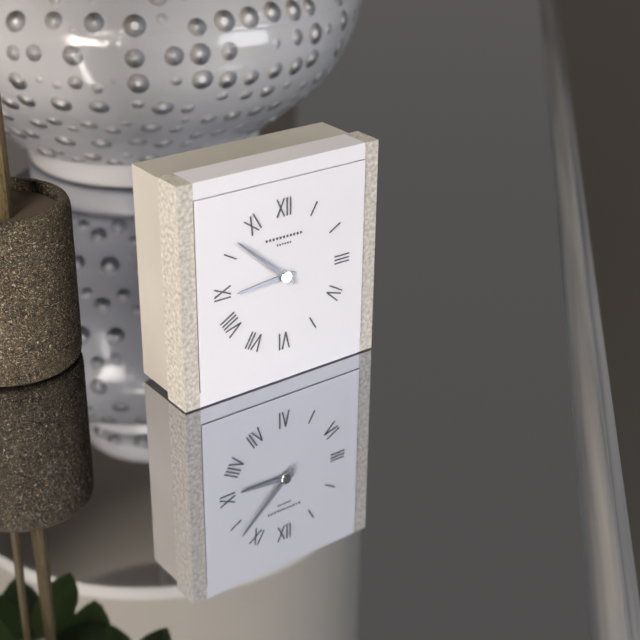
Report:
**8:52**
